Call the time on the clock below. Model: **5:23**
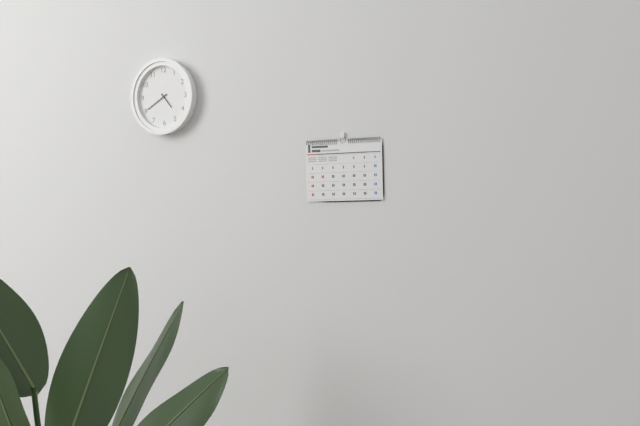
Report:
**4:40**
